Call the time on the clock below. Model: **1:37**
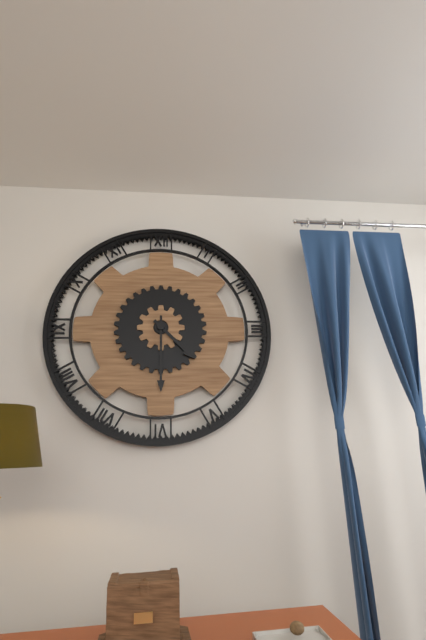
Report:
**4:30**
